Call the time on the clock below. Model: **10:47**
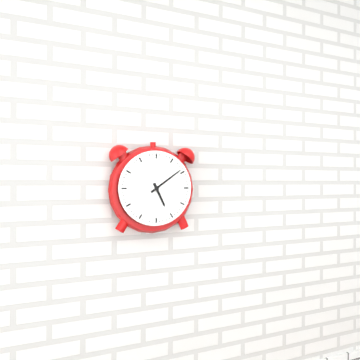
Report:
**5:09**
